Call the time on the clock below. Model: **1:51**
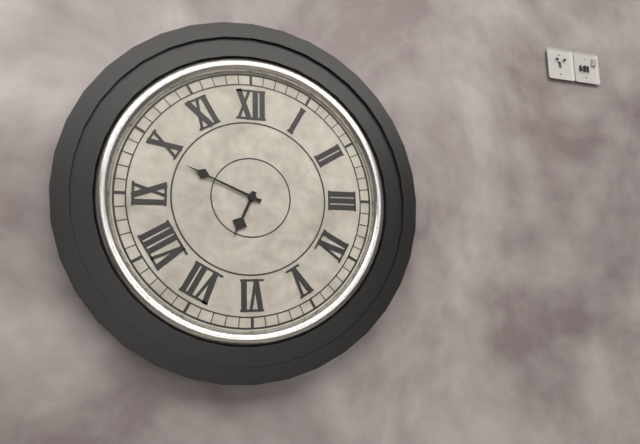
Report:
**6:49**
